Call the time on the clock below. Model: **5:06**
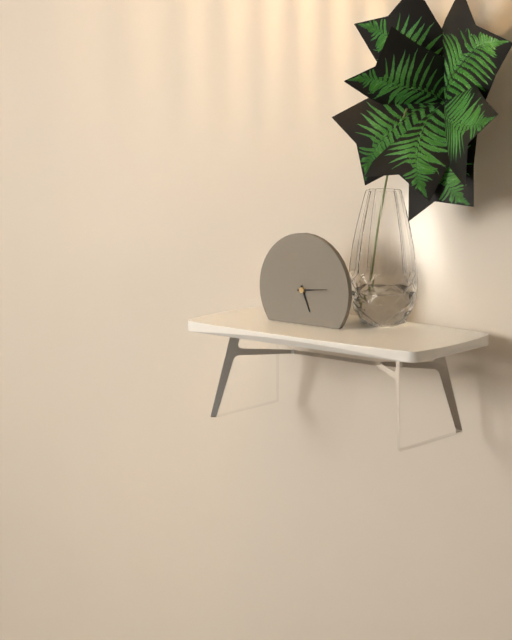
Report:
**5:14**
